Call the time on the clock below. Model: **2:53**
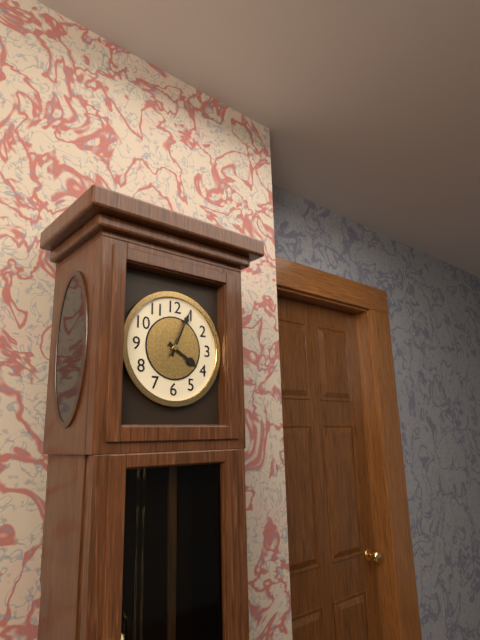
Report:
**4:04**
